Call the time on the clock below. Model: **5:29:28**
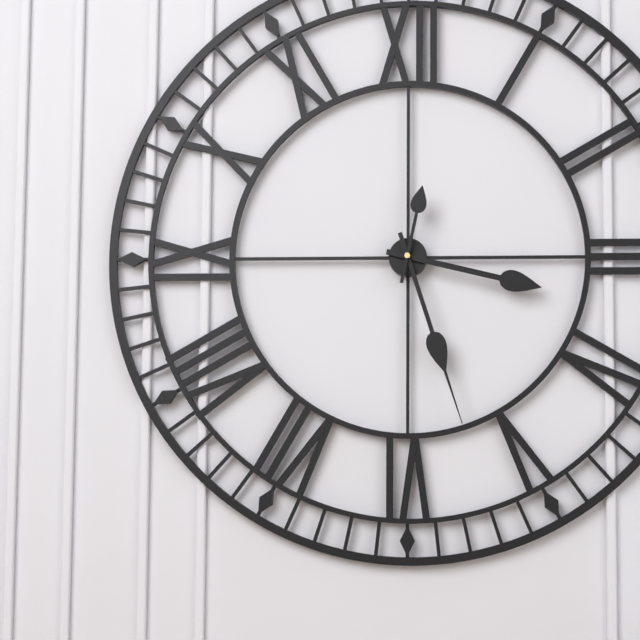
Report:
**3:27:02**
